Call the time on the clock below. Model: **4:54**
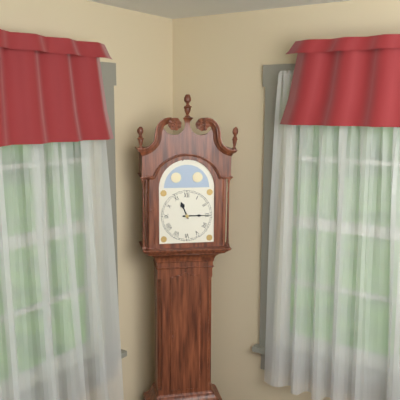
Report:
**11:15**
